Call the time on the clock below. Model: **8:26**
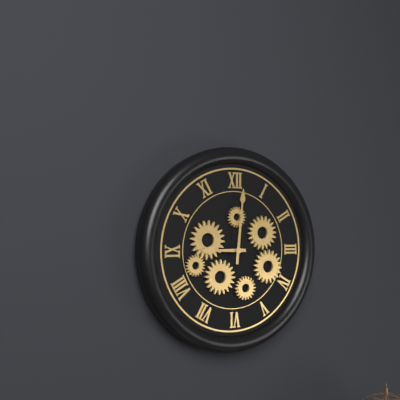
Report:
**9:01**
